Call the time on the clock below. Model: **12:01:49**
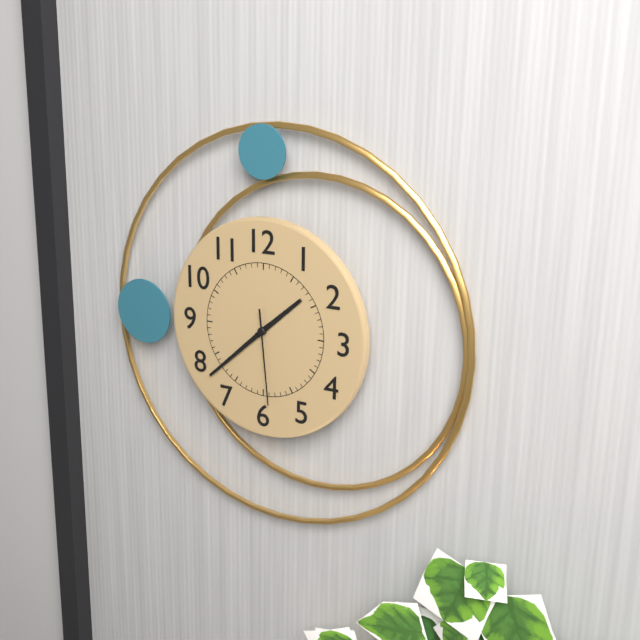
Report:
**1:38:29**
